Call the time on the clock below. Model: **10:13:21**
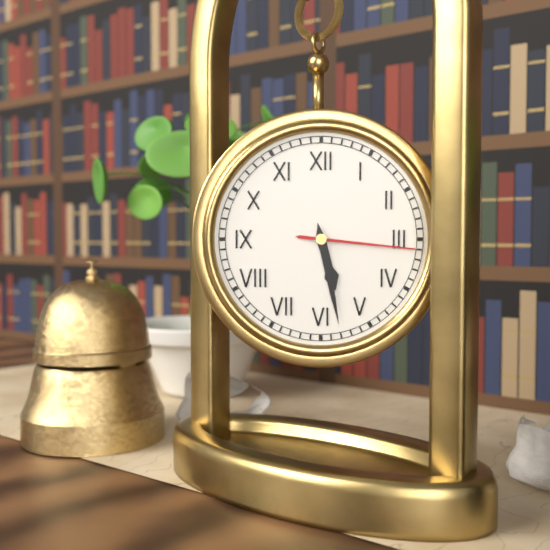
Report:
**5:28:16**
